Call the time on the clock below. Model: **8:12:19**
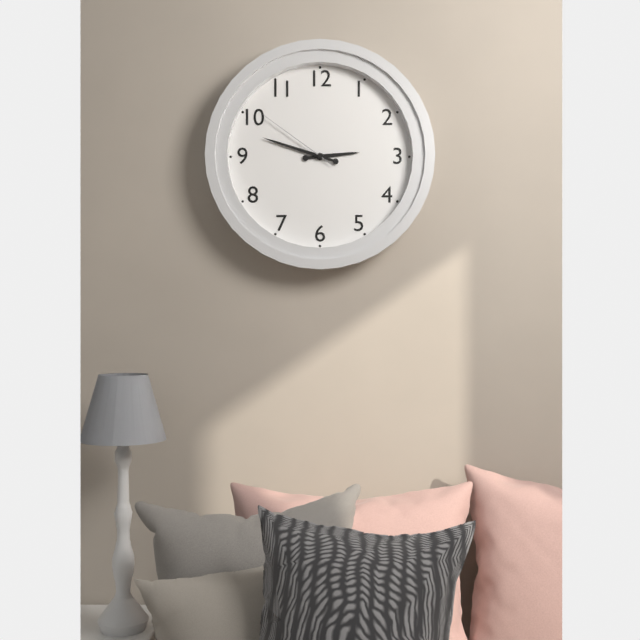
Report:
**2:48:51**
